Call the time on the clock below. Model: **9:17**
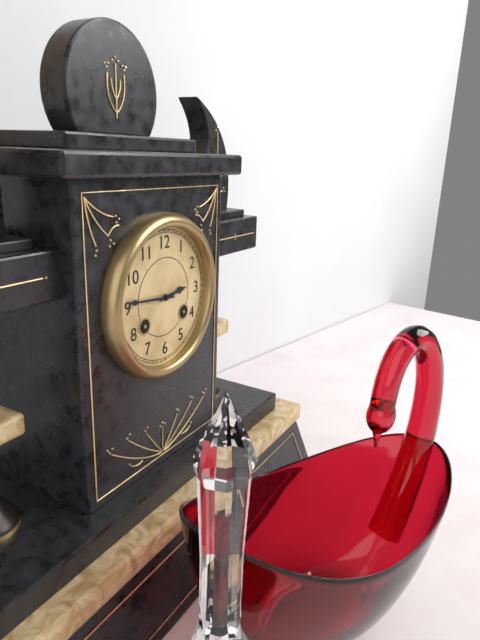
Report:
**2:46**
